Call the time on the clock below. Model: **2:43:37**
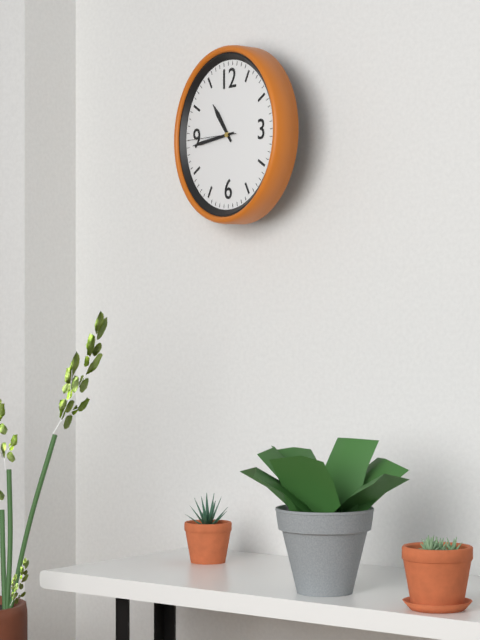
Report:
**10:44:45**
